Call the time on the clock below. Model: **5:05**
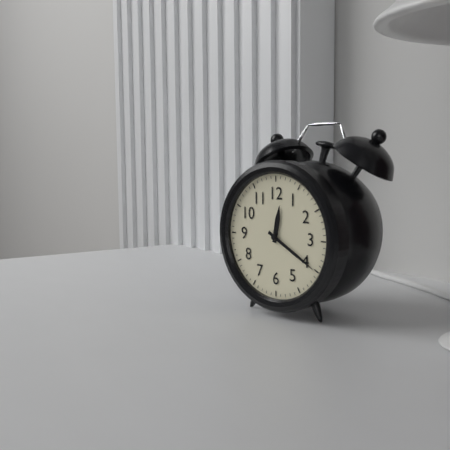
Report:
**12:20**
